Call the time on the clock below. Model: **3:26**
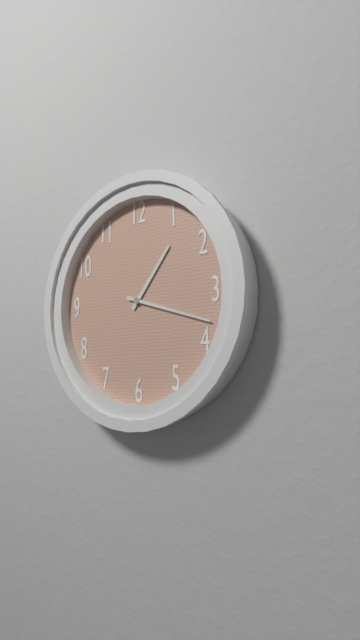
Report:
**1:18**
